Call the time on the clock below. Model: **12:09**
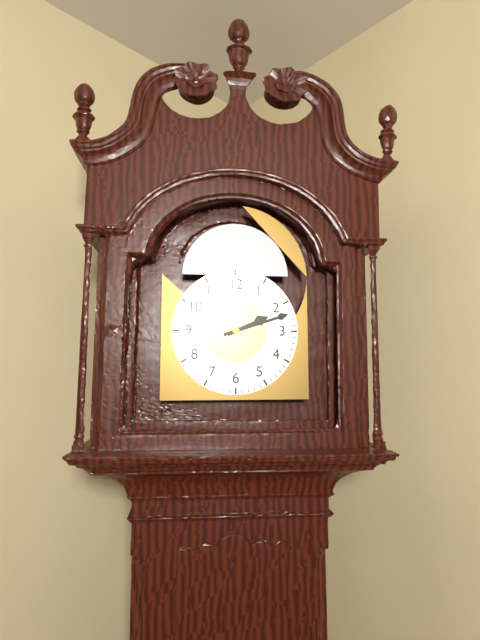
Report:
**2:12**
